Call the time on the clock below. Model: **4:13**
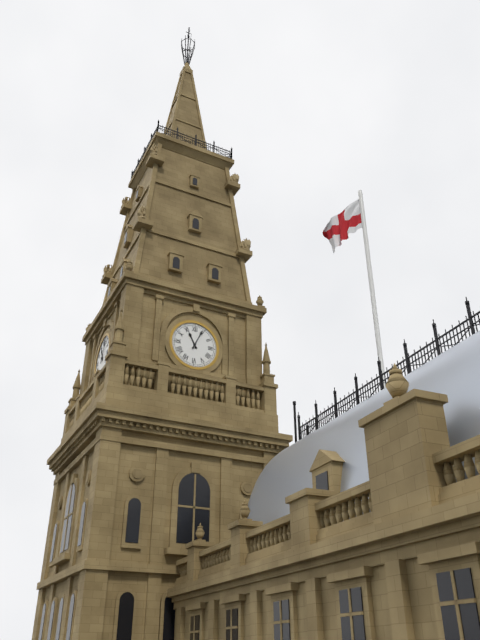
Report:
**11:04**
